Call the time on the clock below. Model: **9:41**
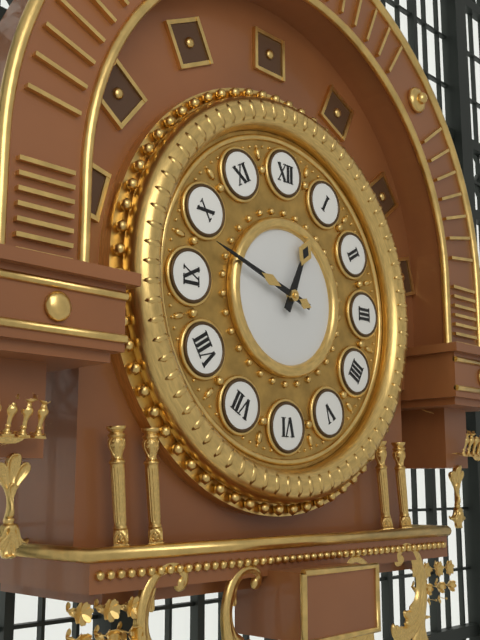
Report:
**12:48**
